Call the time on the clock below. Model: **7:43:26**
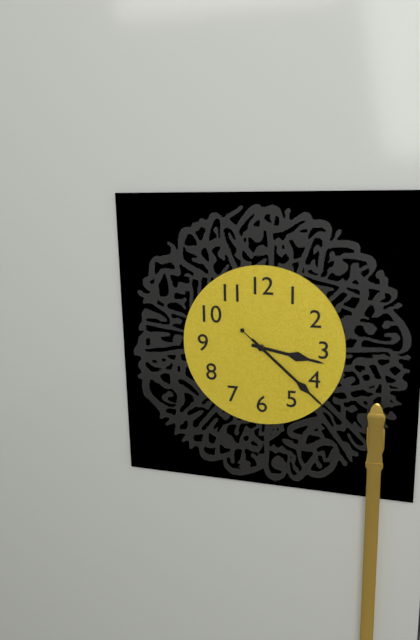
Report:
**3:22:22**
